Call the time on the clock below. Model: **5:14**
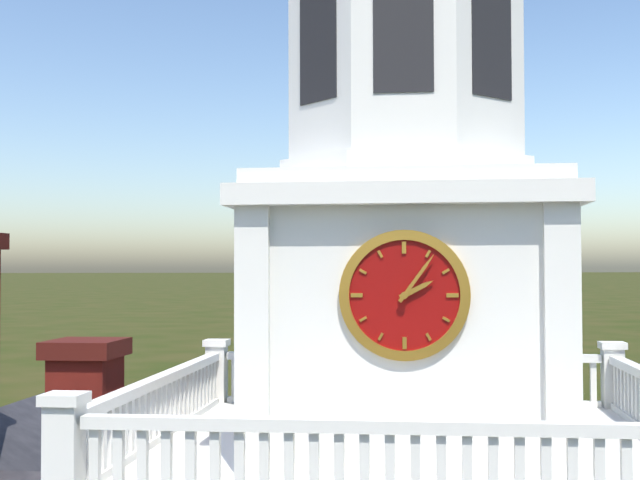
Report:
**2:06**
